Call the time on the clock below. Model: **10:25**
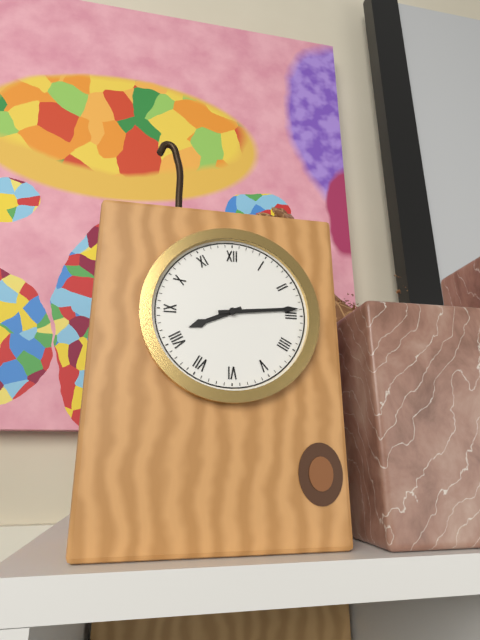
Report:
**8:14**
